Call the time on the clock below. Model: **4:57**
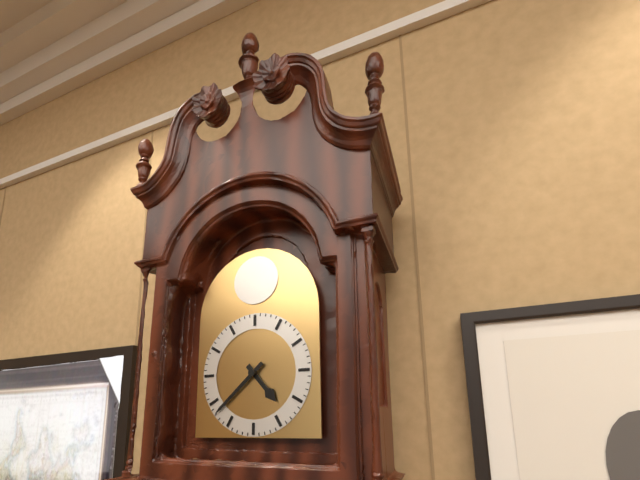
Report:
**4:38**
